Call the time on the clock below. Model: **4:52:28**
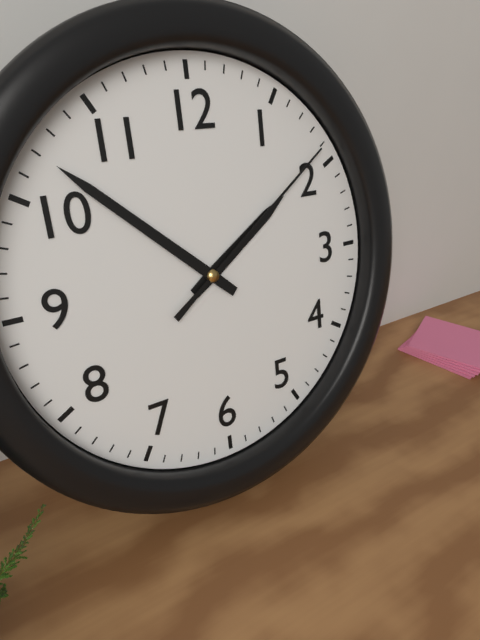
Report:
**1:52:09**
